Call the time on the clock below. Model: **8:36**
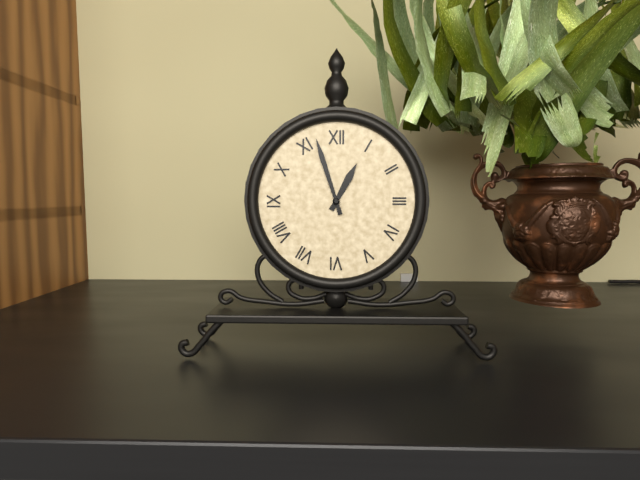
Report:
**12:57**
